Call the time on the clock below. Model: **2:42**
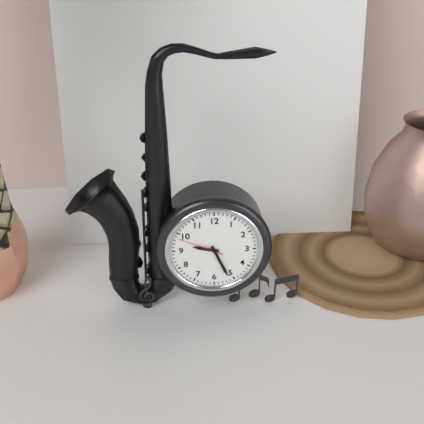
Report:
**9:26**
